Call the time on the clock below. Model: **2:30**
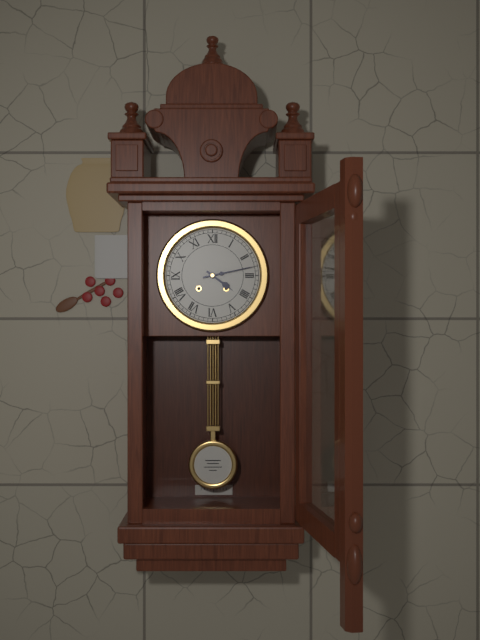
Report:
**4:13**
